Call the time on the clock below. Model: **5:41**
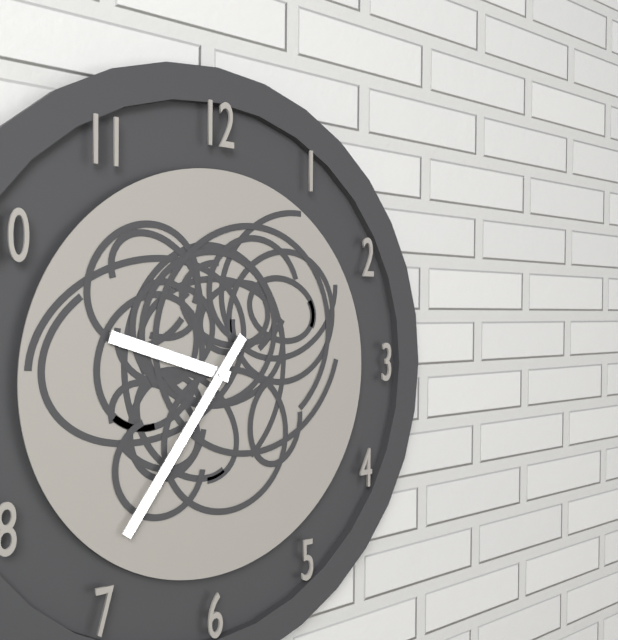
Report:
**9:36**
